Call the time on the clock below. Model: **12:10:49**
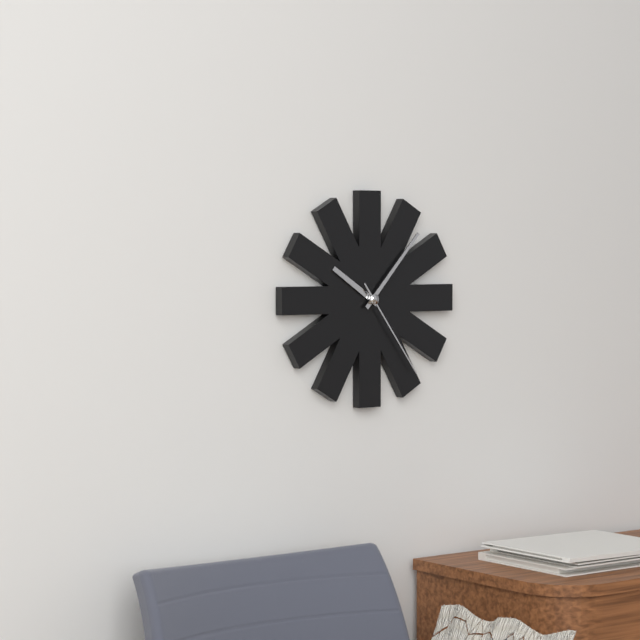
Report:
**10:07:24**
